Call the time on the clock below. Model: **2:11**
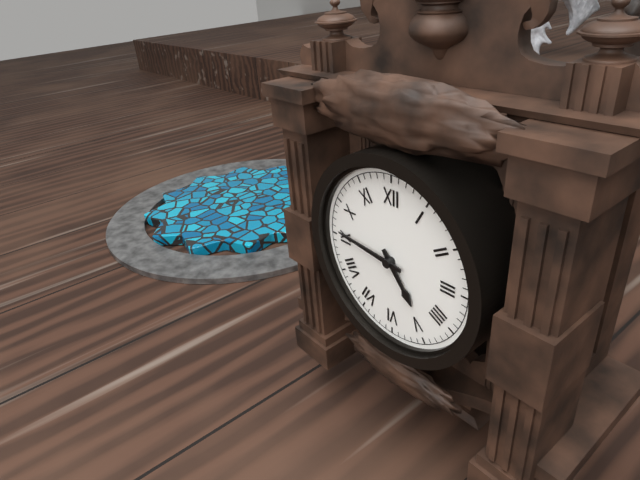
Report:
**4:46**
